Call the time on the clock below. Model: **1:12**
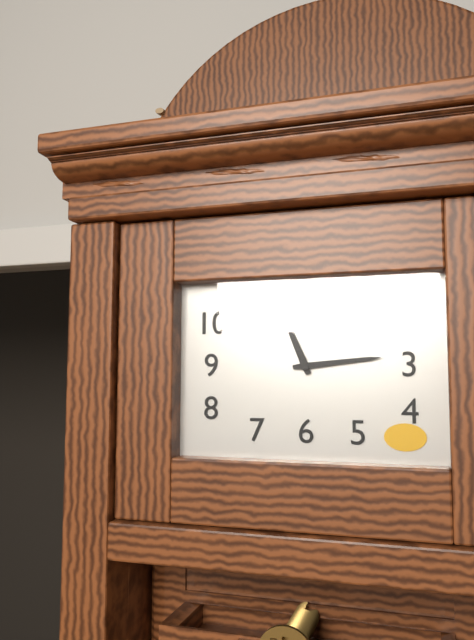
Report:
**11:14**
